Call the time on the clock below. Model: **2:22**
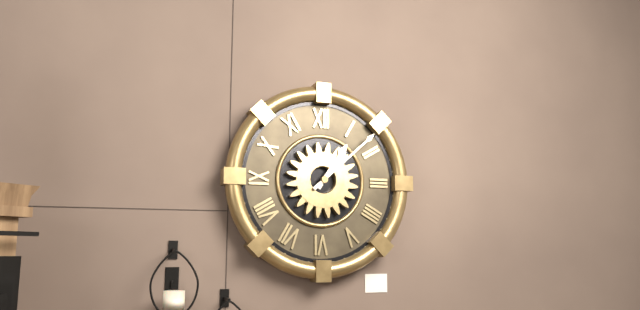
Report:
**1:08**
